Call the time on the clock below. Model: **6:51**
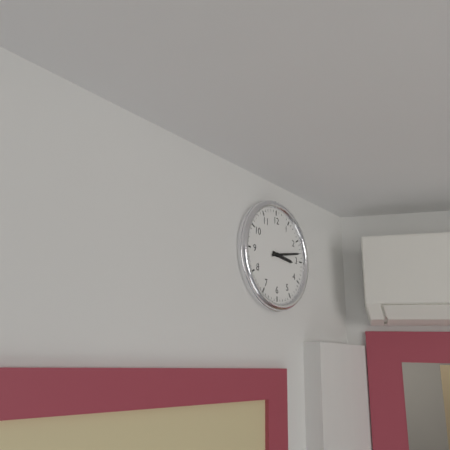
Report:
**3:13**
